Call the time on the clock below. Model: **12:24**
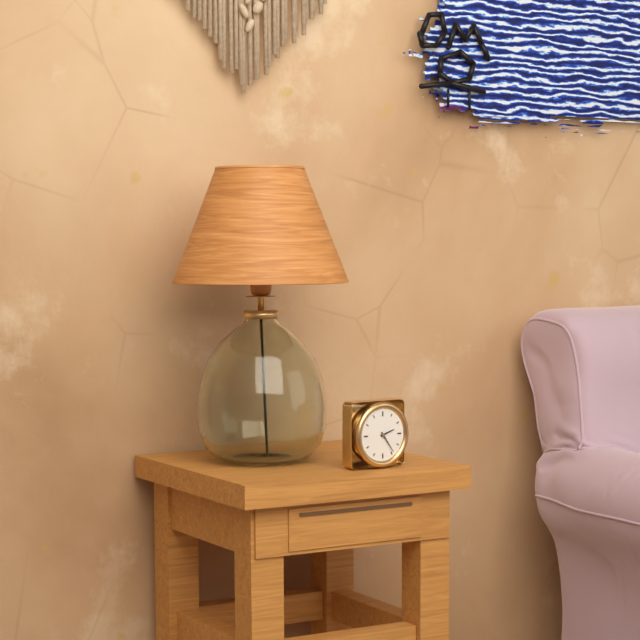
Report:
**2:24**
